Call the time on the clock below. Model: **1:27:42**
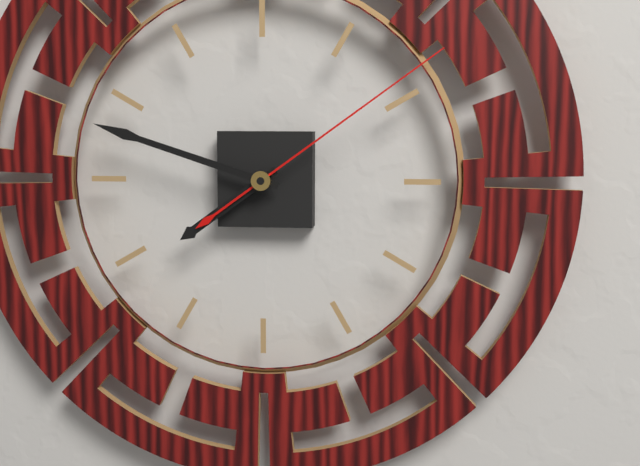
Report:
**7:48:09**
